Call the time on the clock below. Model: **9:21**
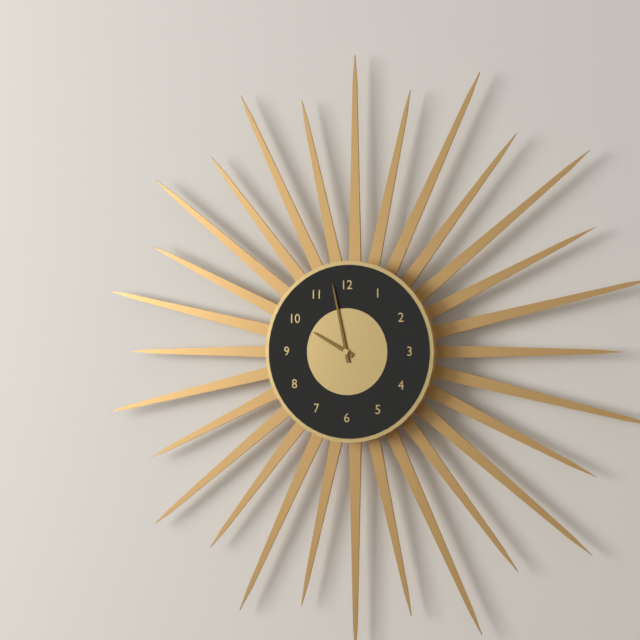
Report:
**9:58**
